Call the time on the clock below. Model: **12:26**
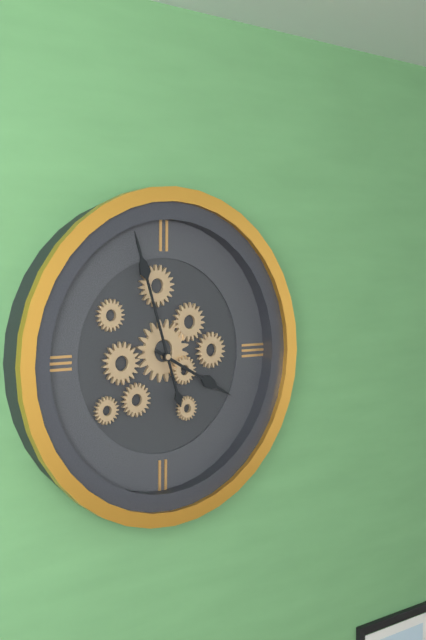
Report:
**3:57**
